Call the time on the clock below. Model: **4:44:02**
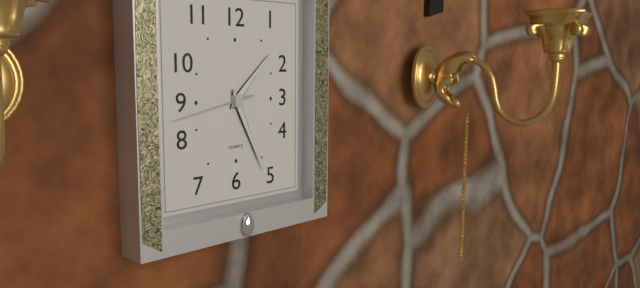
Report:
**1:26:43**
